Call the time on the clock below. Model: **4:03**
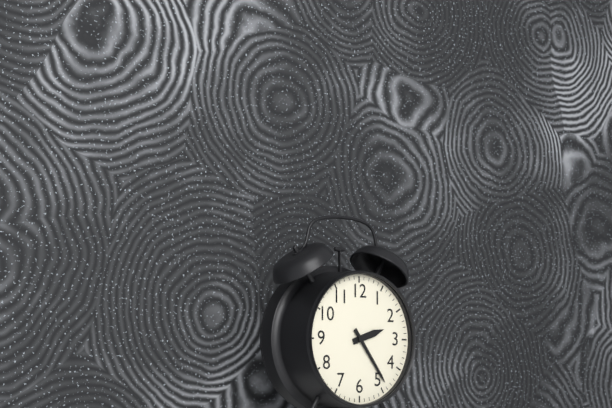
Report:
**2:24**
